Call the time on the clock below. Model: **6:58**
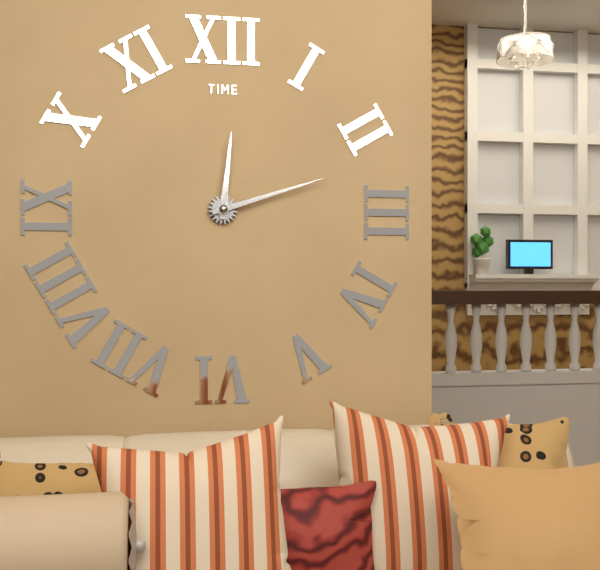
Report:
**12:12**
